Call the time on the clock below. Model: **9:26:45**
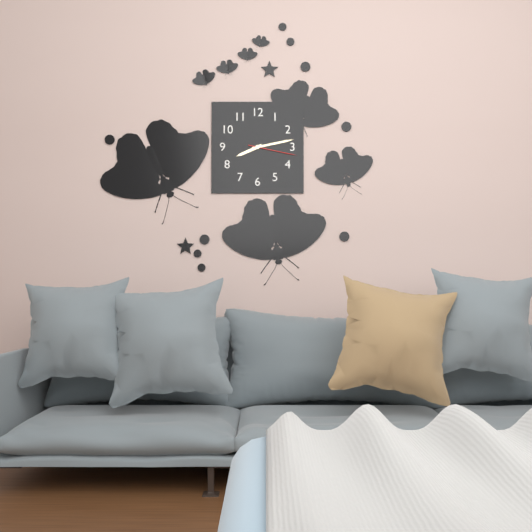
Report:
**8:13:17**
